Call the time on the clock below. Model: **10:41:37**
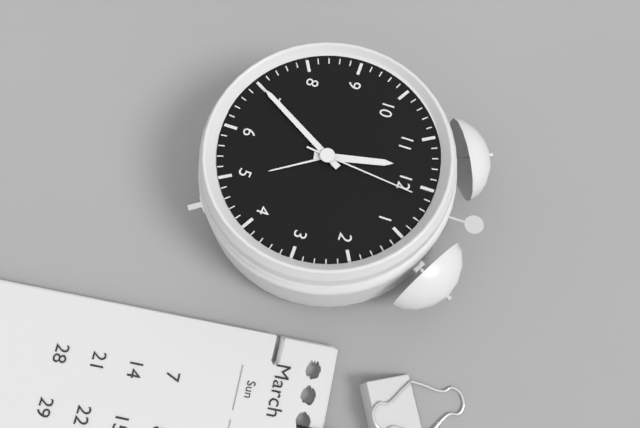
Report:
**11:35:01**
